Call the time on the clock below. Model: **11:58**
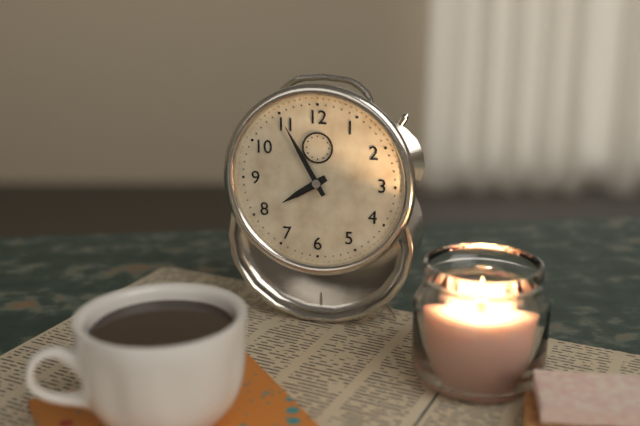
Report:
**7:55**
